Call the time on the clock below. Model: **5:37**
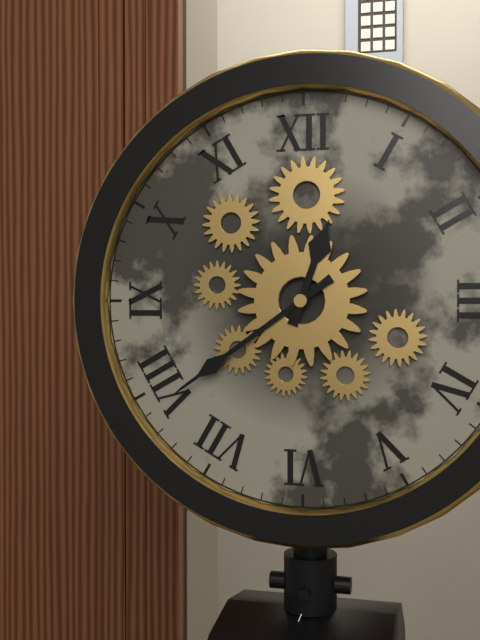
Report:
**12:39**
